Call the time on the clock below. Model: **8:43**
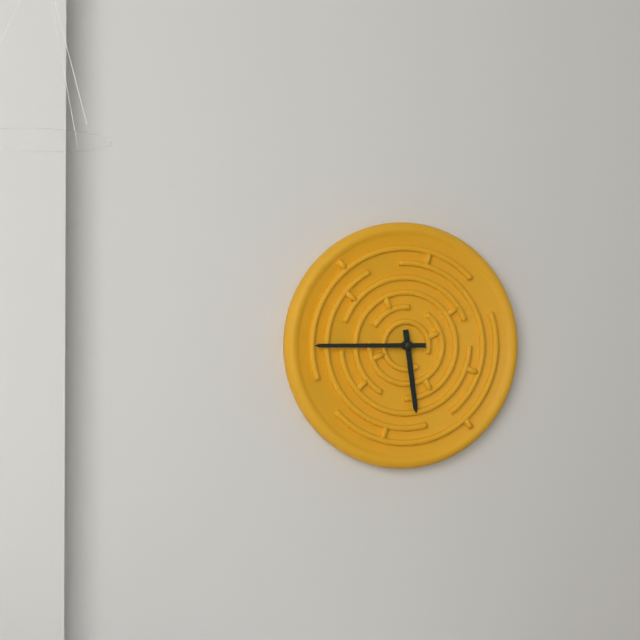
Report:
**5:45**
